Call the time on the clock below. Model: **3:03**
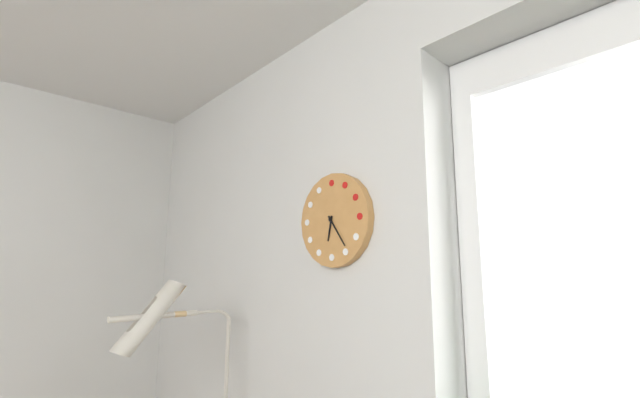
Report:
**6:24**
